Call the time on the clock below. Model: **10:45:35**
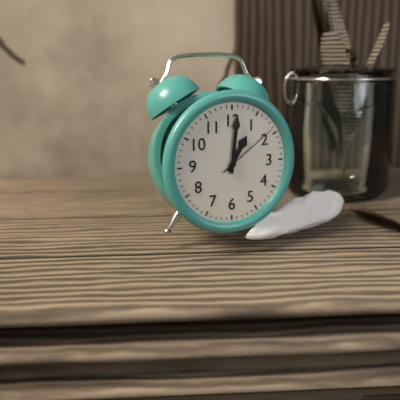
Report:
**1:01:09**
